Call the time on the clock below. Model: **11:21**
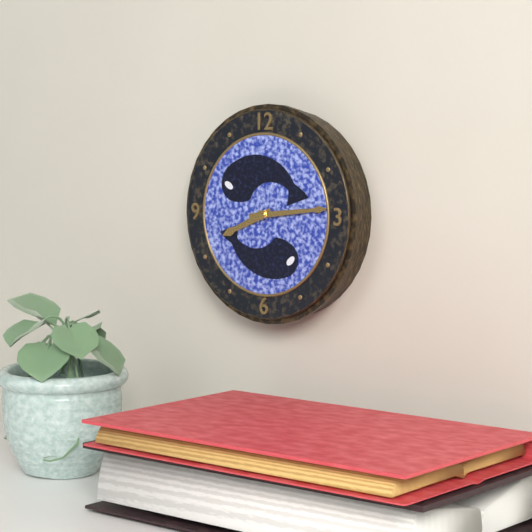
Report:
**8:14**
